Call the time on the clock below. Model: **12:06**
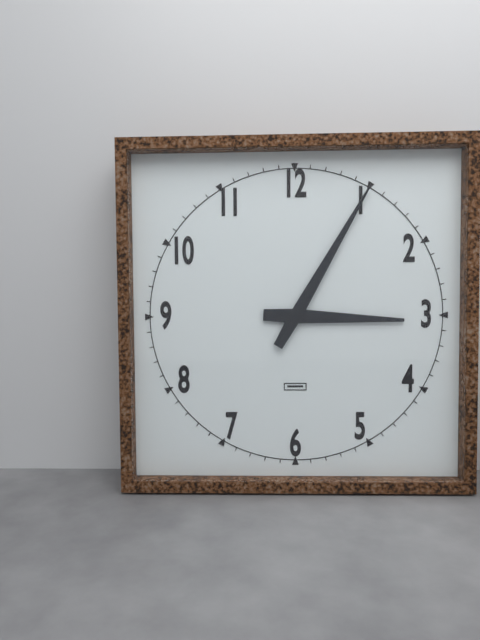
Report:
**3:05**
